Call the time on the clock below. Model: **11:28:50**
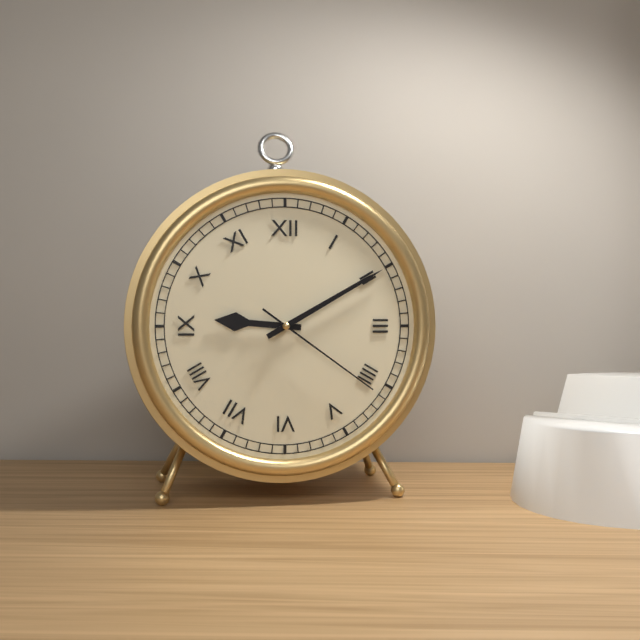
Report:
**9:10:21**
